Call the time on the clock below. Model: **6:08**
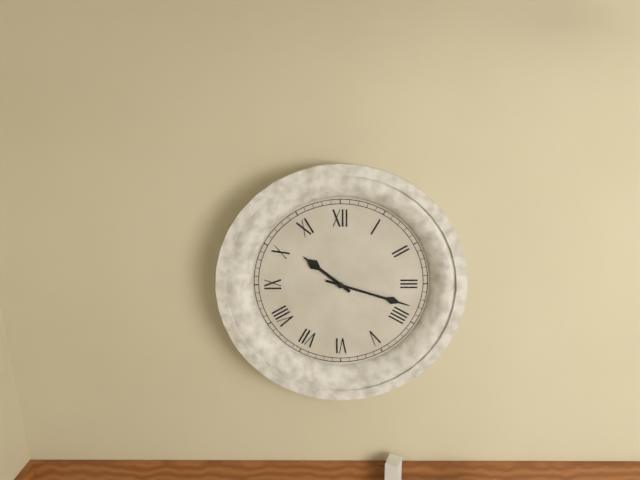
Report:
**10:18**
